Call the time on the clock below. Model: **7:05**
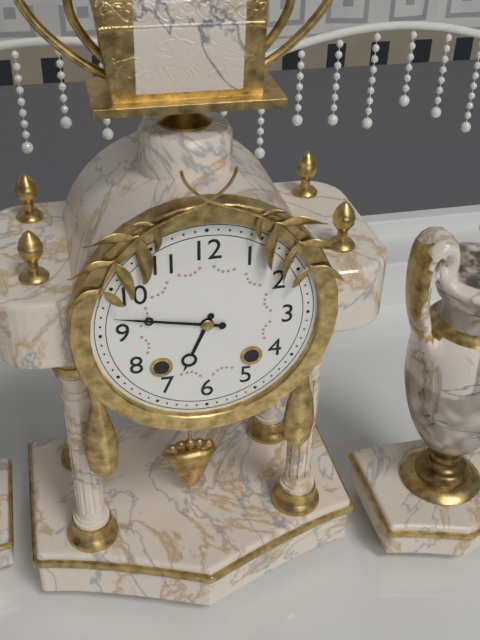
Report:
**6:47**
